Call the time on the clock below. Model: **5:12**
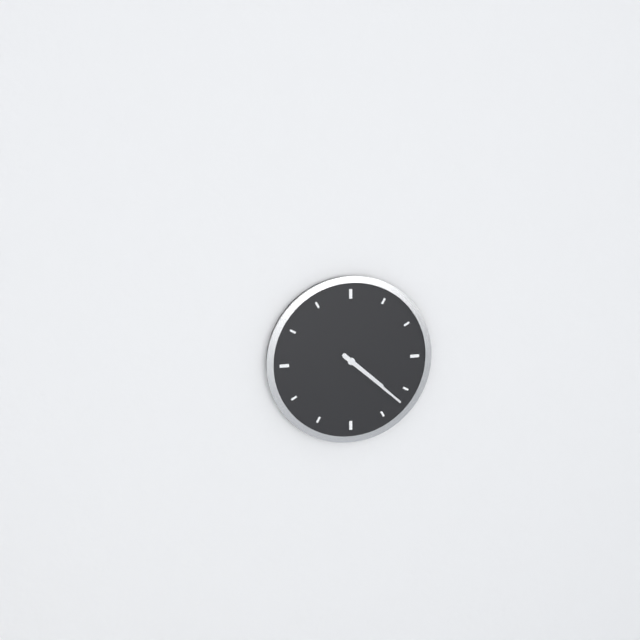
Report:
**4:22**
